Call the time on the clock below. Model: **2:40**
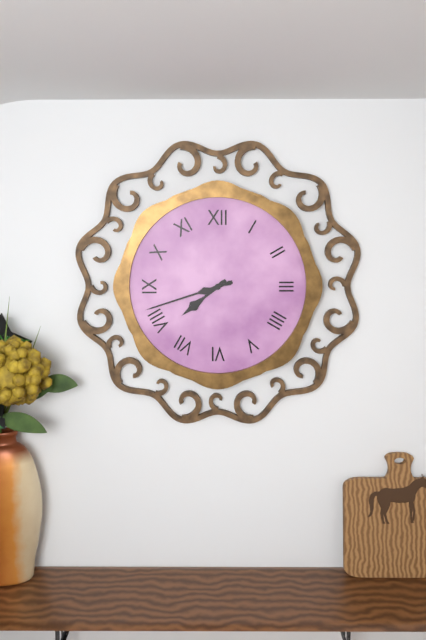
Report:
**7:42**
